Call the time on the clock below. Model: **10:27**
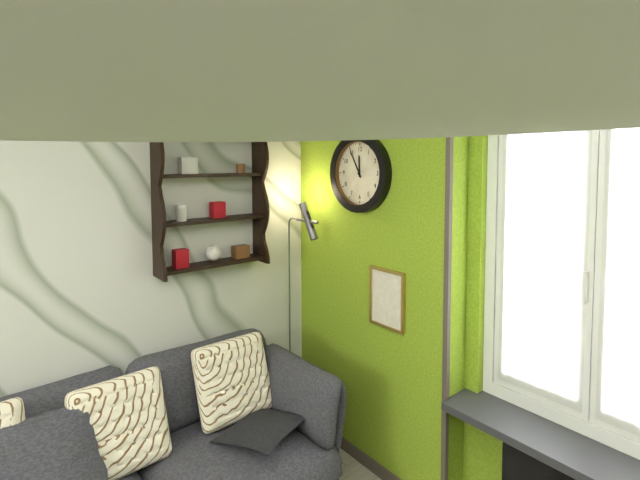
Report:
**11:55**
